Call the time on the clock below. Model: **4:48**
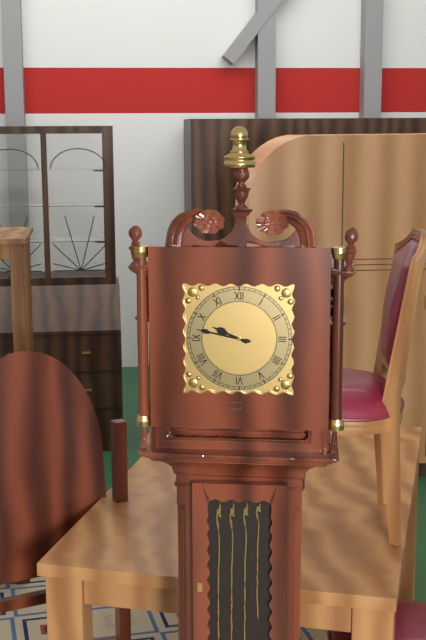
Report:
**9:47**
